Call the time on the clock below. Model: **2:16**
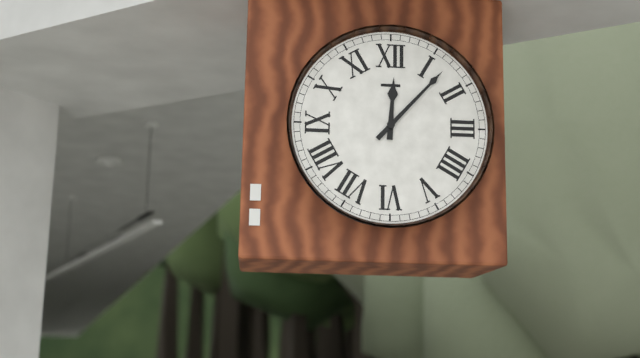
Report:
**12:07**
